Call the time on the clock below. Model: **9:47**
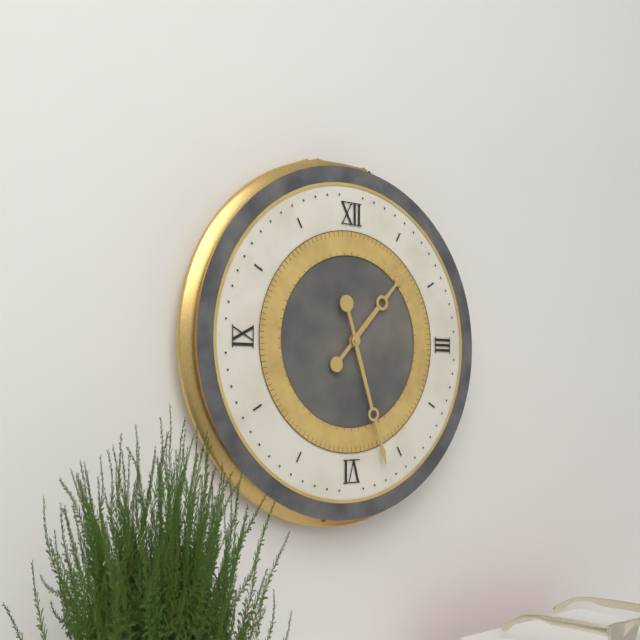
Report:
**1:27**
